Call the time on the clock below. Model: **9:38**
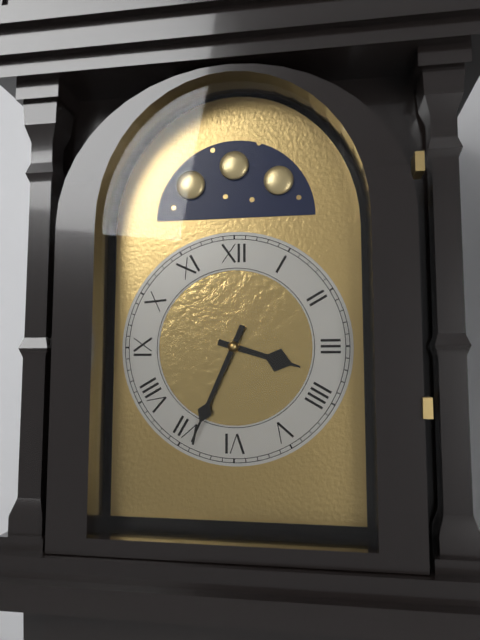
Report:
**3:34**
